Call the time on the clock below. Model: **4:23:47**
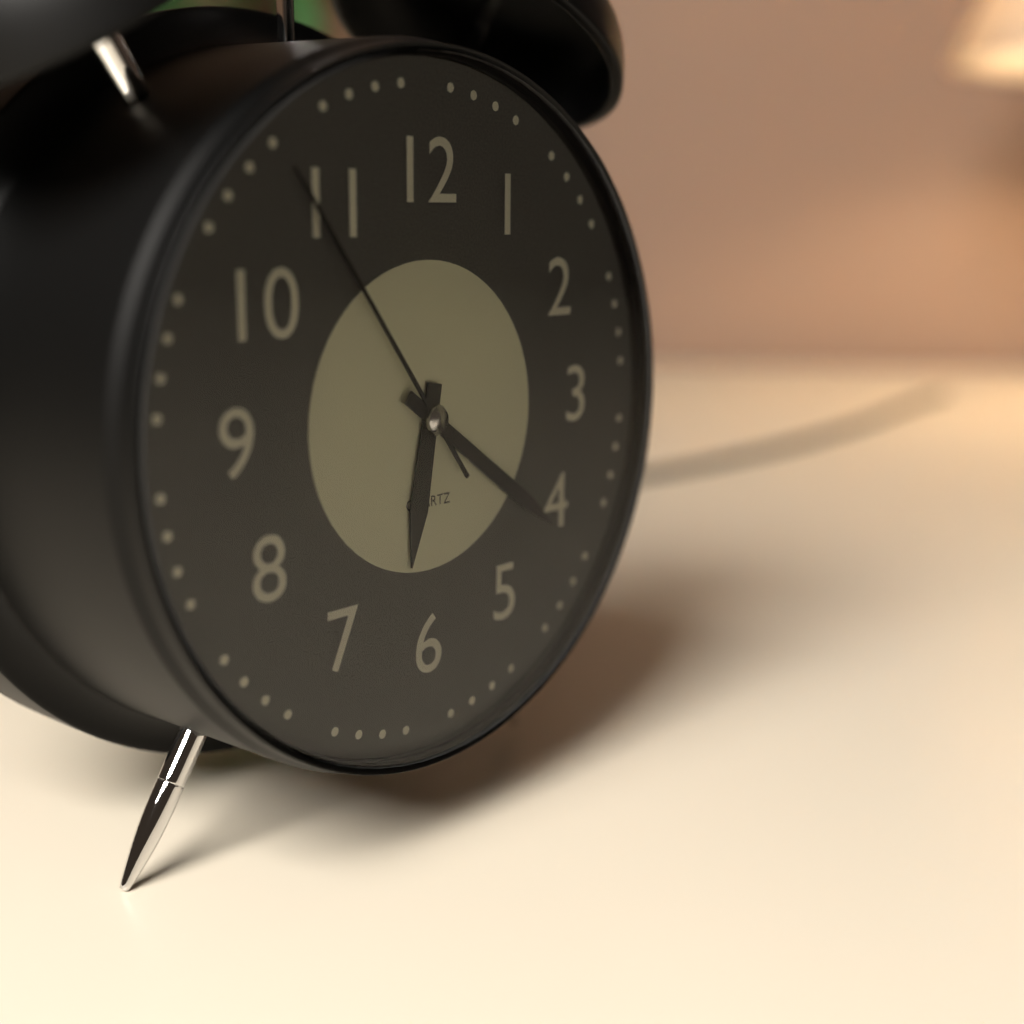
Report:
**6:21:54**
